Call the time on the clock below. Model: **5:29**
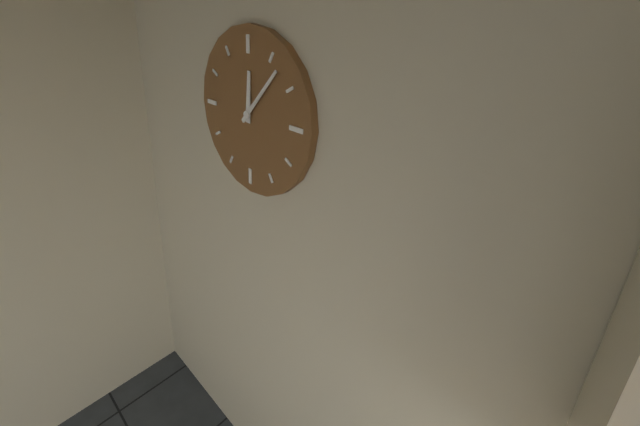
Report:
**12:07**
